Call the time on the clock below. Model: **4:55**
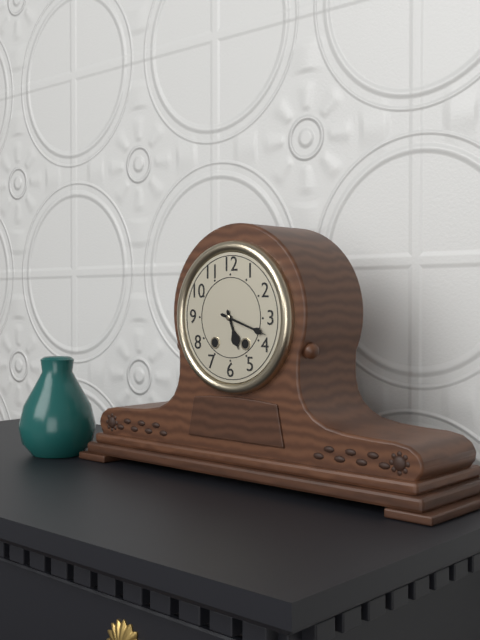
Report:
**5:18**
